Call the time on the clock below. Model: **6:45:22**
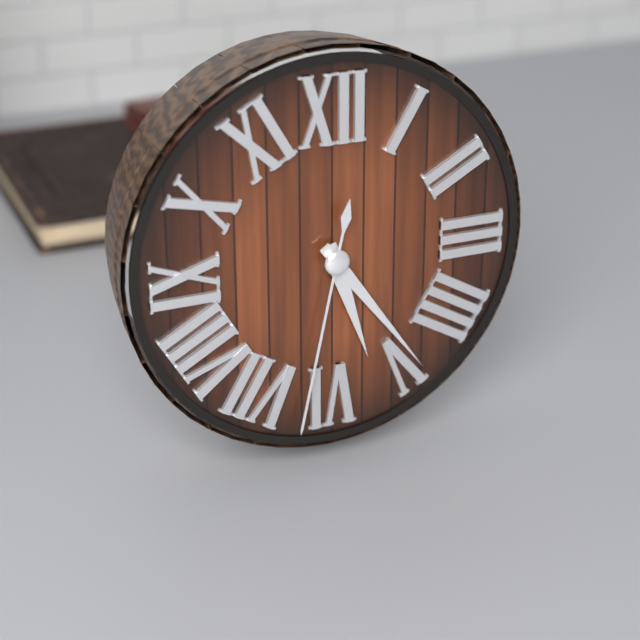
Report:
**5:24:32**
